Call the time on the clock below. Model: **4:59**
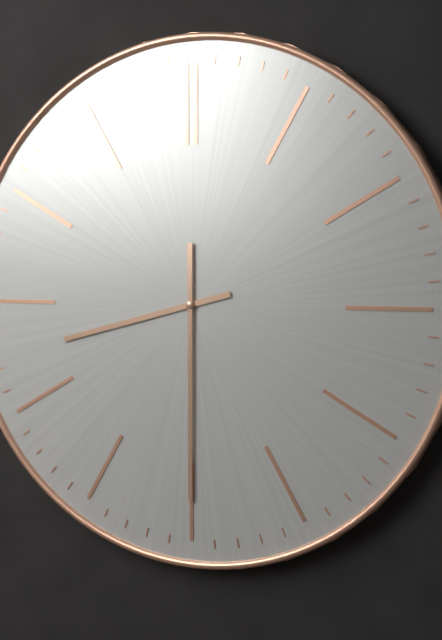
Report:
**8:30**
